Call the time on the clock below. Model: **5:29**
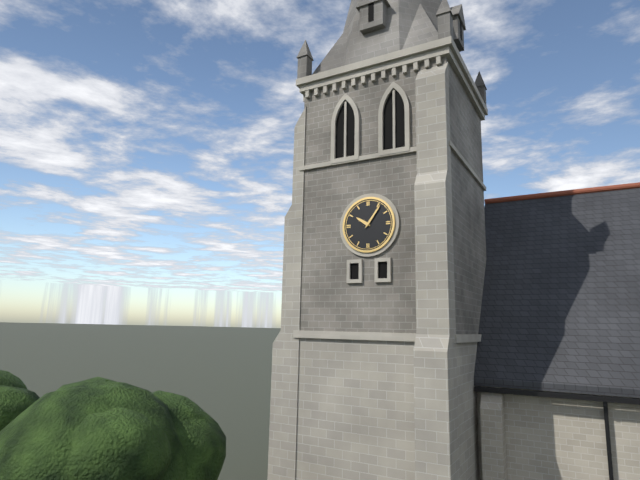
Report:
**10:06**
